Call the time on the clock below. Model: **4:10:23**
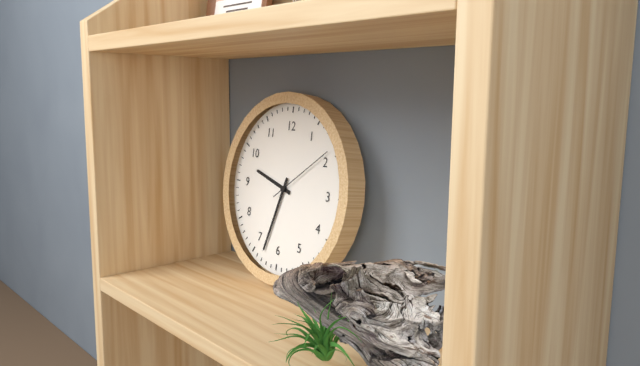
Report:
**9:33:09**
